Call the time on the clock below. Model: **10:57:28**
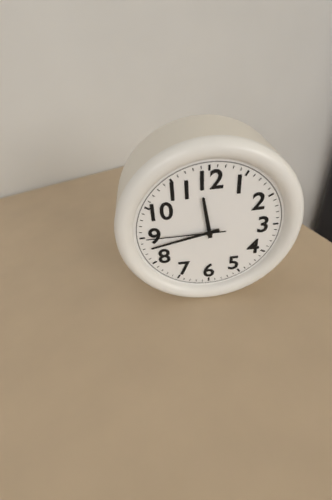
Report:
**11:43:45**
